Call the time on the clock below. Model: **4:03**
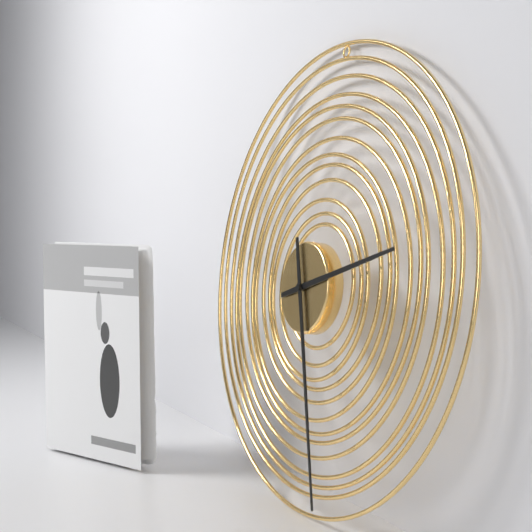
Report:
**2:27**
